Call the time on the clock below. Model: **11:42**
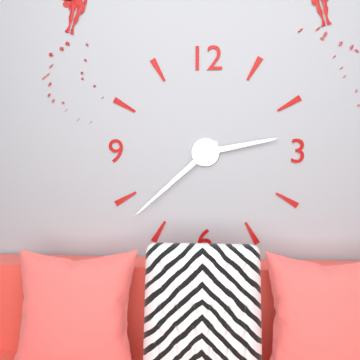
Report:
**2:38**
